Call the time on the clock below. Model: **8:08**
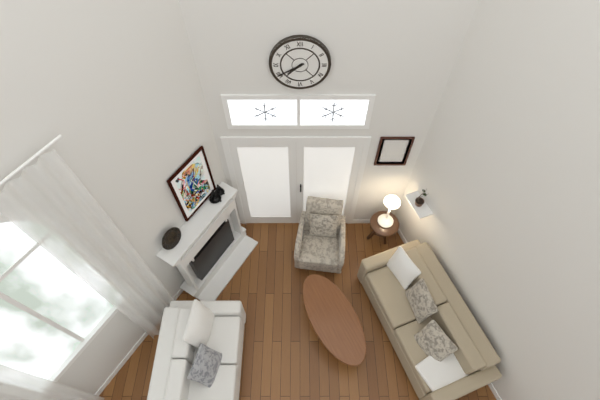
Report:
**7:40**
